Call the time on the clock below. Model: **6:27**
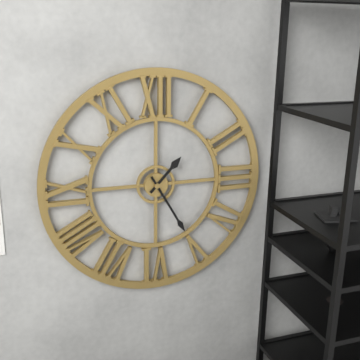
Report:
**1:25**
